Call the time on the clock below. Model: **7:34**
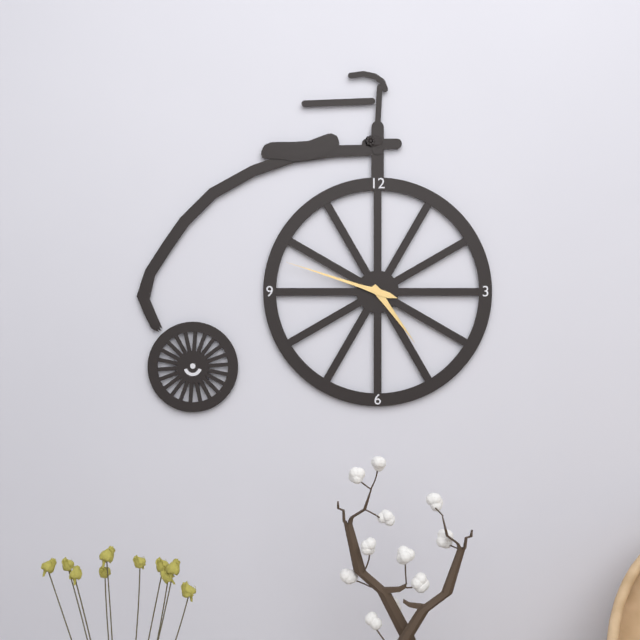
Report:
**4:48**
